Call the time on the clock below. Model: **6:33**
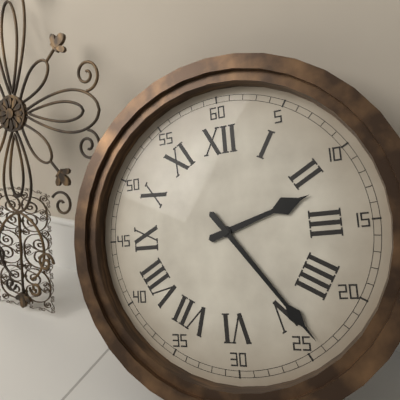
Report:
**2:24**
